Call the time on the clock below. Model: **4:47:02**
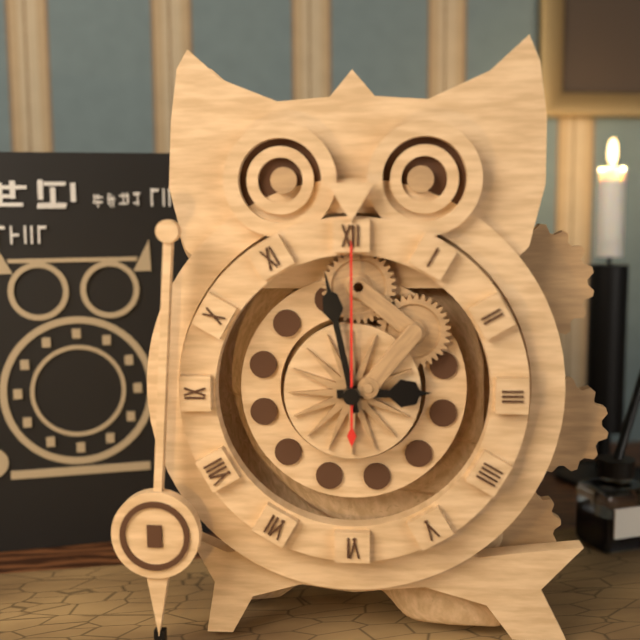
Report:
**2:58:00**
